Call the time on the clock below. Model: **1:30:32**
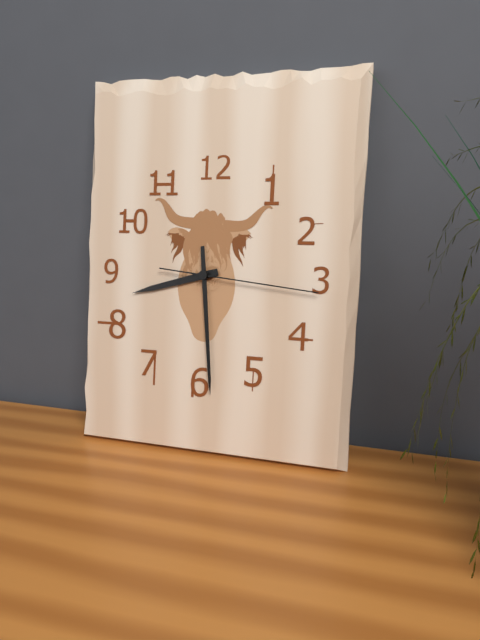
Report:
**8:29:16**
